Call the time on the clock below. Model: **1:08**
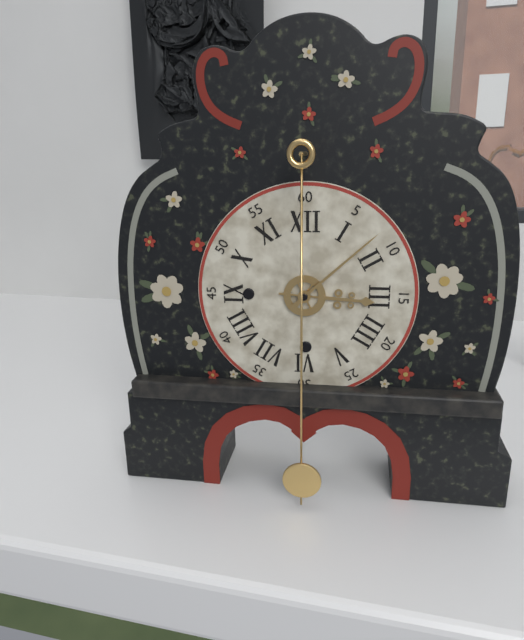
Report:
**3:08**
